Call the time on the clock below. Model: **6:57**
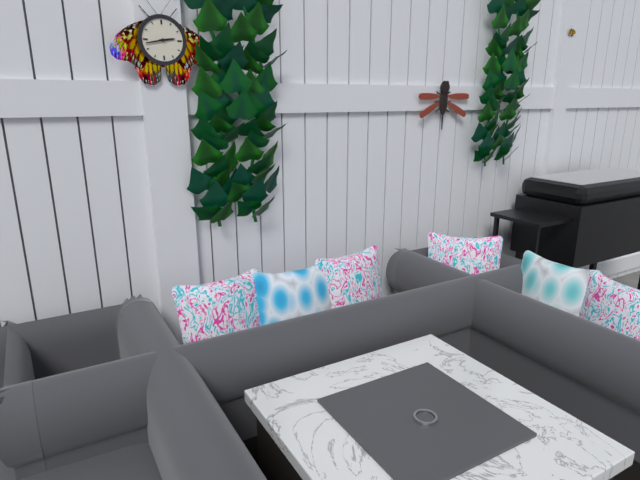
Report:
**2:43**
